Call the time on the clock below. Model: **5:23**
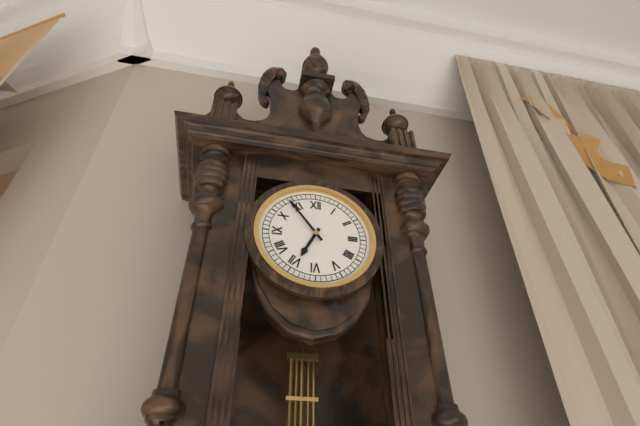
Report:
**6:54**
